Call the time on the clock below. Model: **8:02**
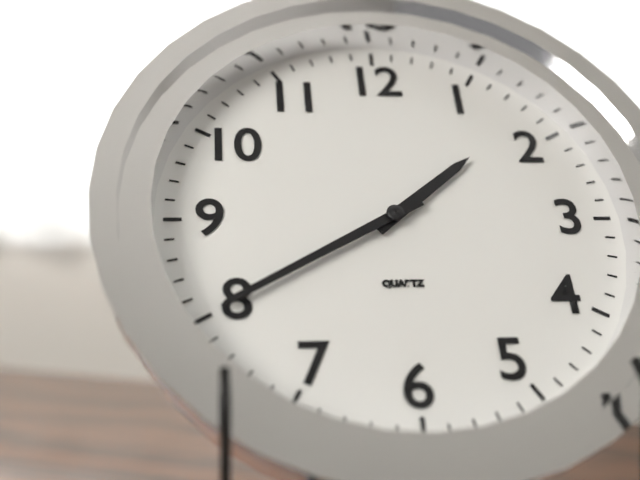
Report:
**1:40**
